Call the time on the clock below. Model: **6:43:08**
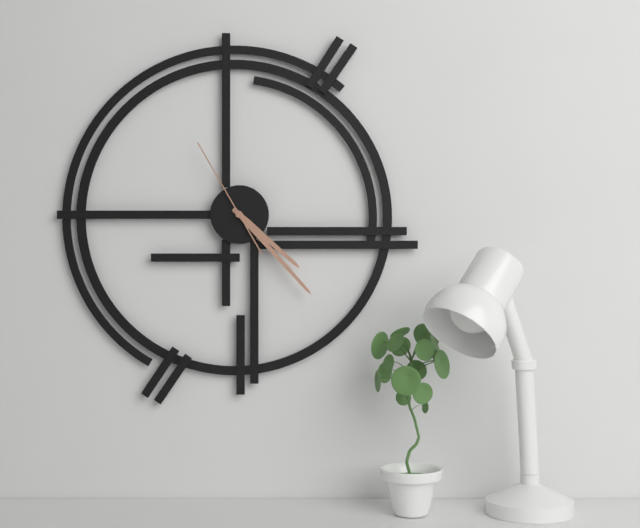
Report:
**4:23:55**
